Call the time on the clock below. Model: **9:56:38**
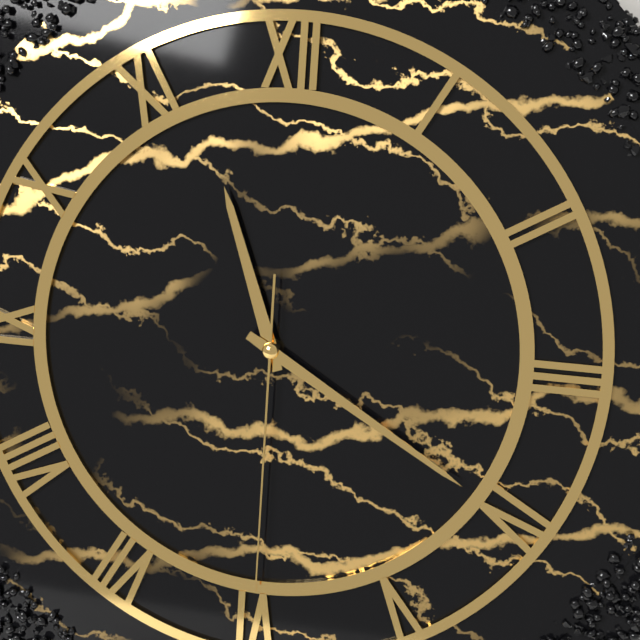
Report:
**11:20:30**
